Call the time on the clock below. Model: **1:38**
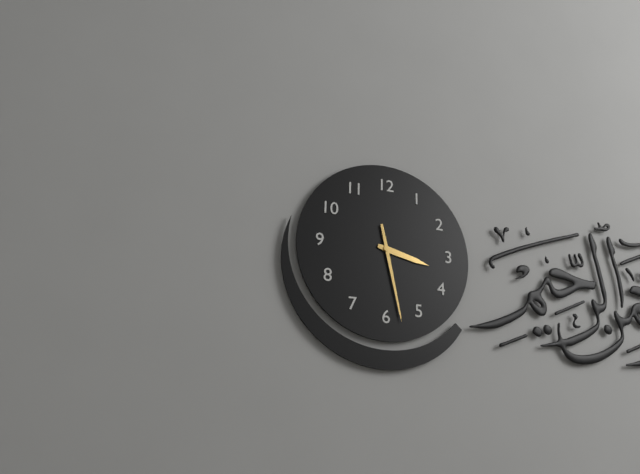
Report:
**3:28**
